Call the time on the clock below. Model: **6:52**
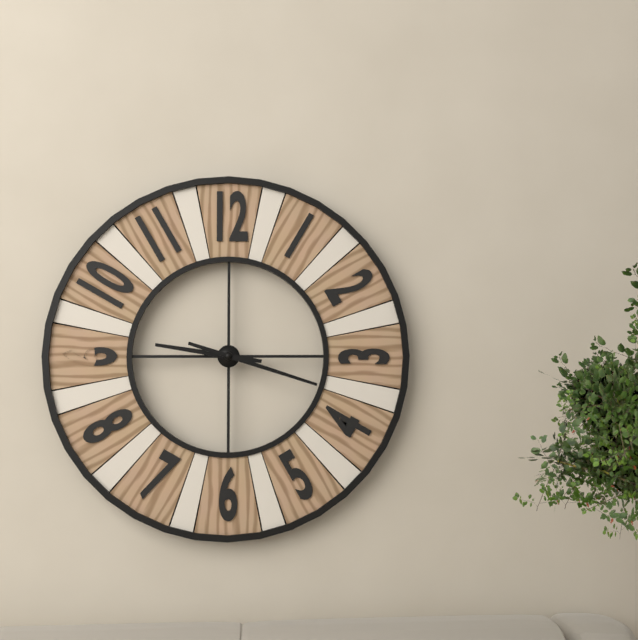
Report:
**9:18**
